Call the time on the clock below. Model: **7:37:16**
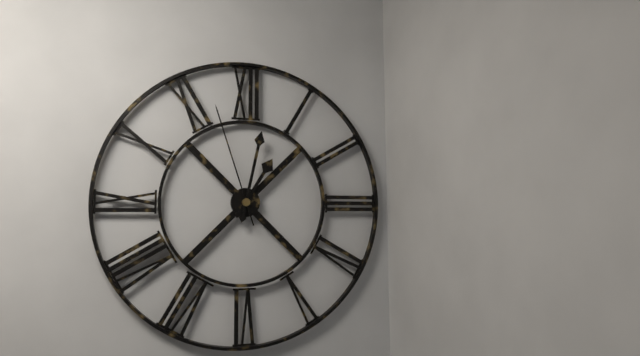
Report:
**1:02:57**
